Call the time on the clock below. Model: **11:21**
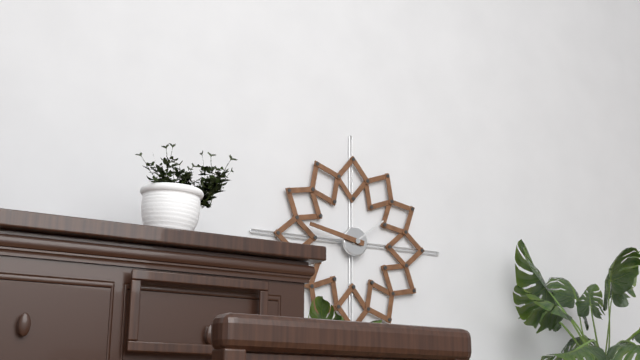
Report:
**1:47**
